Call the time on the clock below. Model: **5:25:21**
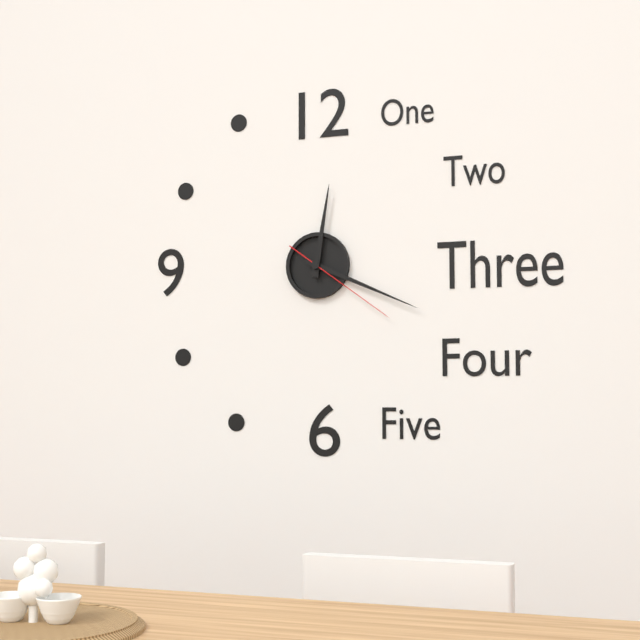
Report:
**12:19:21**
